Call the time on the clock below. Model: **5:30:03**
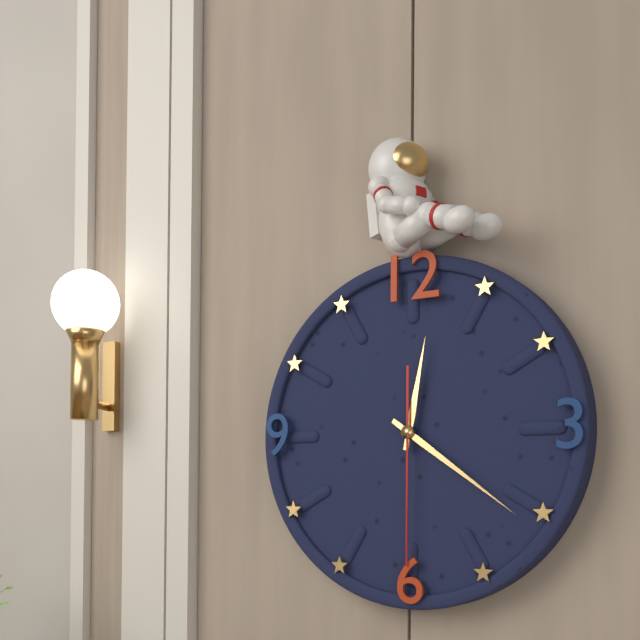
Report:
**12:21:30**
